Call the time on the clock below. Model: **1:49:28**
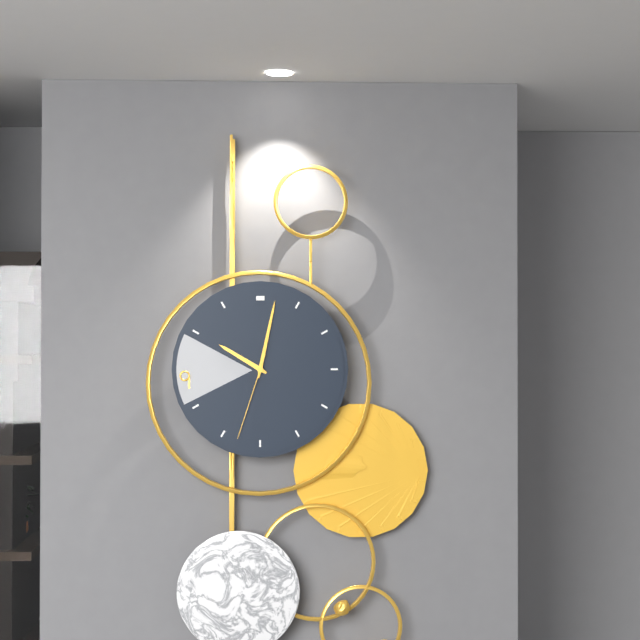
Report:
**10:02:33**
